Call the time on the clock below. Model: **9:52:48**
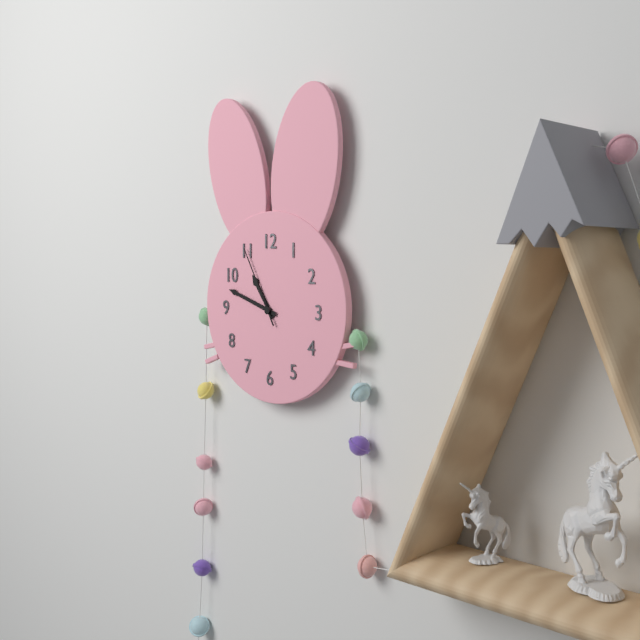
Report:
**10:48:55**
